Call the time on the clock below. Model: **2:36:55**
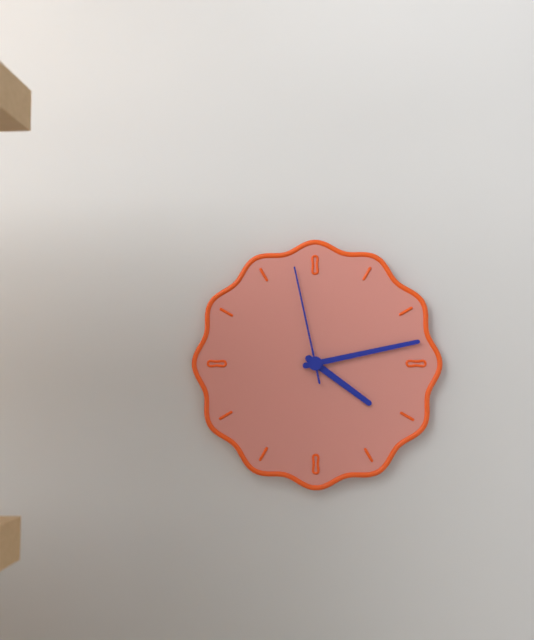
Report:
**4:13:58**
